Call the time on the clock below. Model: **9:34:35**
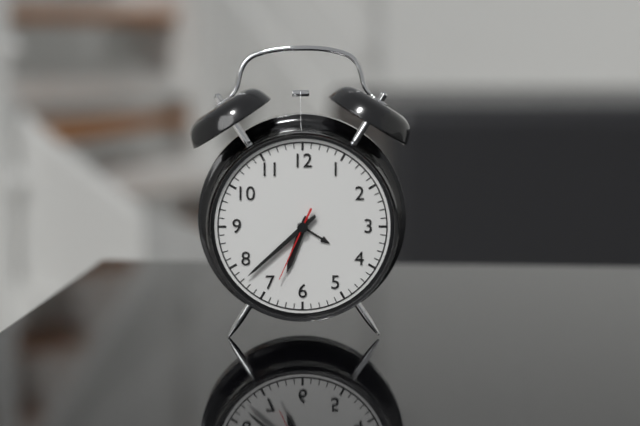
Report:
**6:38:34**
